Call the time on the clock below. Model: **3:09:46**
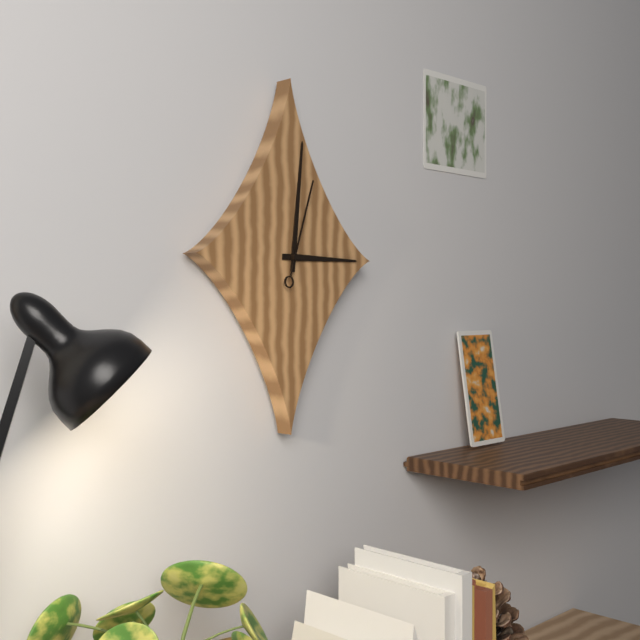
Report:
**3:01:03**
